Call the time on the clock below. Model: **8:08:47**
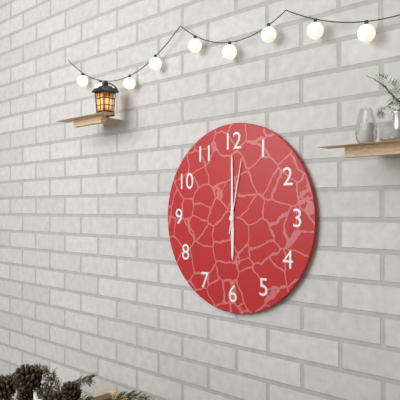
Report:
**6:00:02**
